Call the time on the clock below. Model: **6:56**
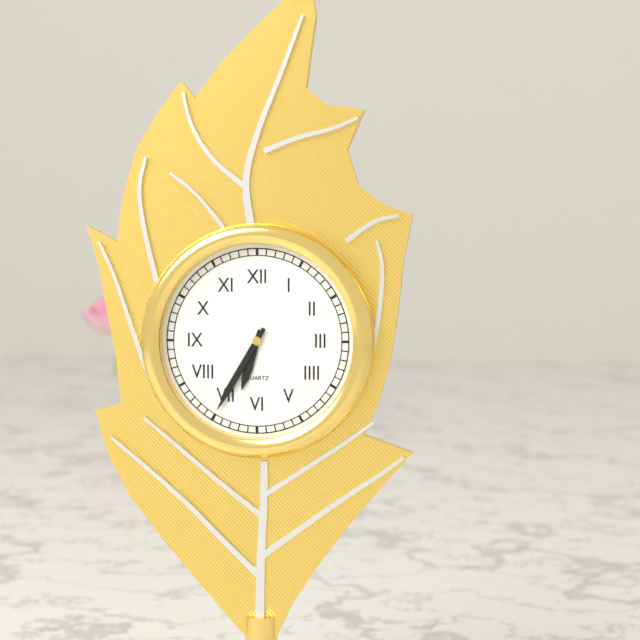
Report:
**6:35**
